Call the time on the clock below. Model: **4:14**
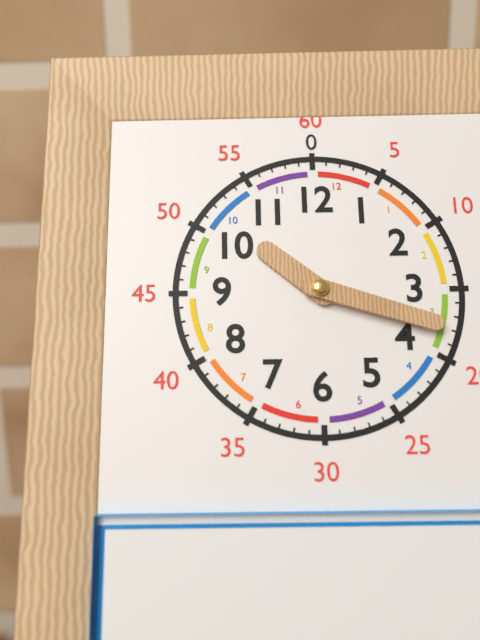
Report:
**10:18**
